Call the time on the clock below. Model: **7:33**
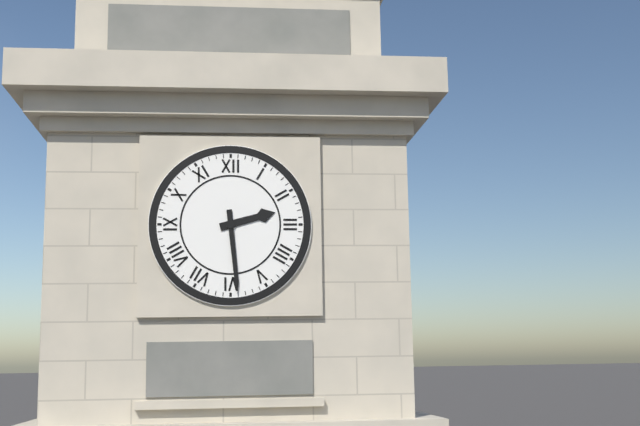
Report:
**2:29**
